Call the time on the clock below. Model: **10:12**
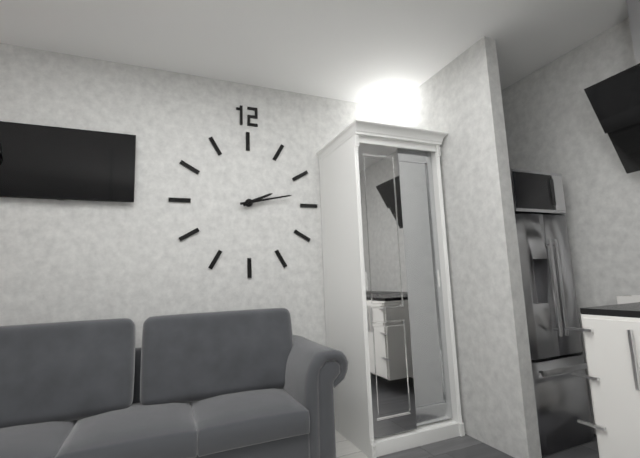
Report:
**2:13**
